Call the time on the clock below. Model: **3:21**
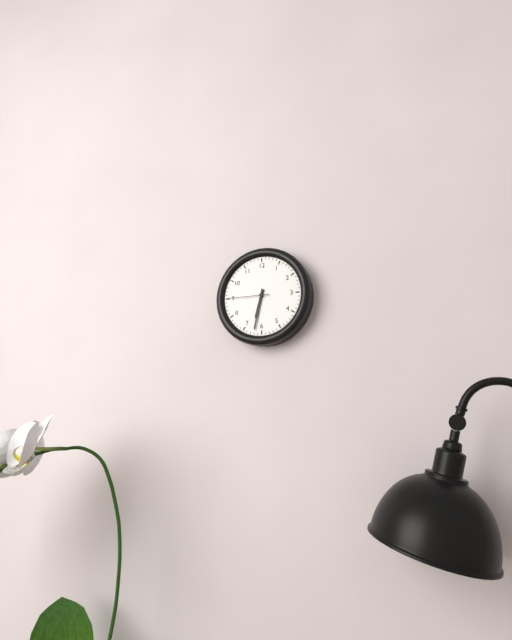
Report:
**6:32**
